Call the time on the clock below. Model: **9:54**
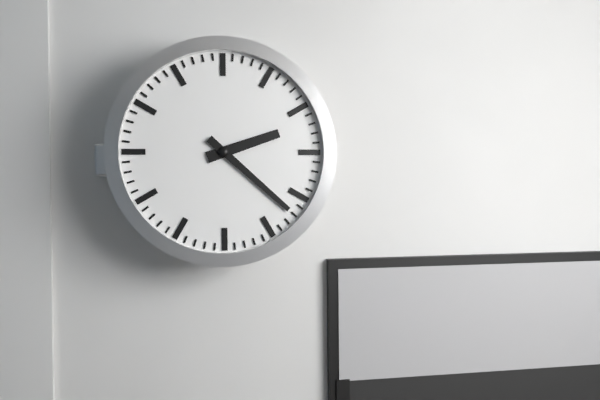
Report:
**2:22**
